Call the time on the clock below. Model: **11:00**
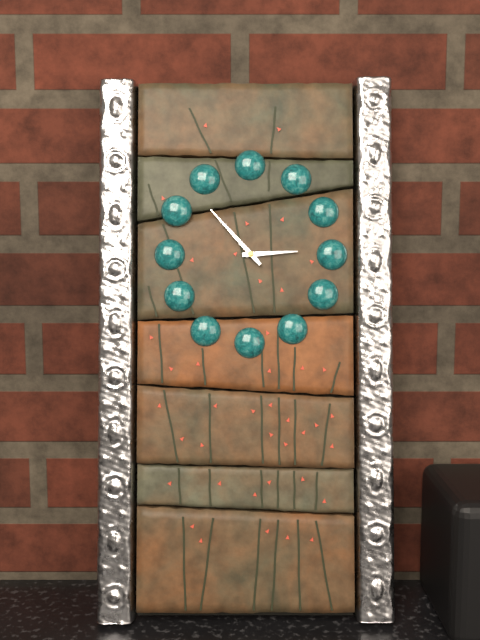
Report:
**2:53**
